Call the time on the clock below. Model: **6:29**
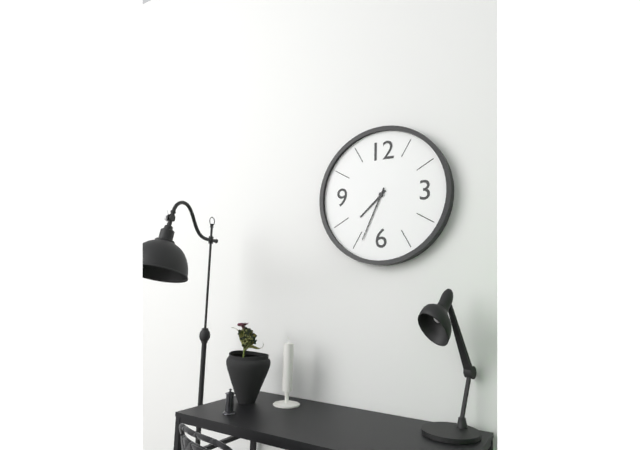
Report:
**7:34**
